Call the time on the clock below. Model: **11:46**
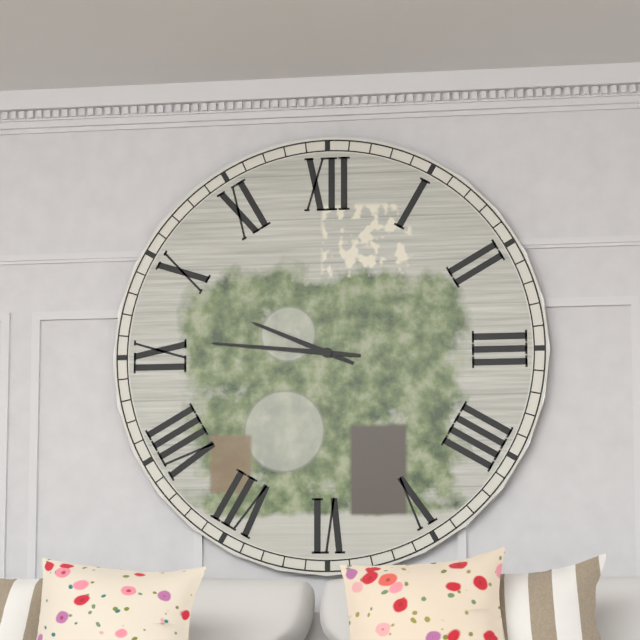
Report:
**9:46**
